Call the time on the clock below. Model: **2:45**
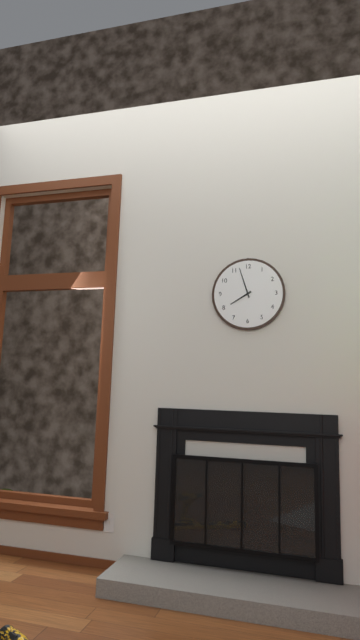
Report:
**7:57**
